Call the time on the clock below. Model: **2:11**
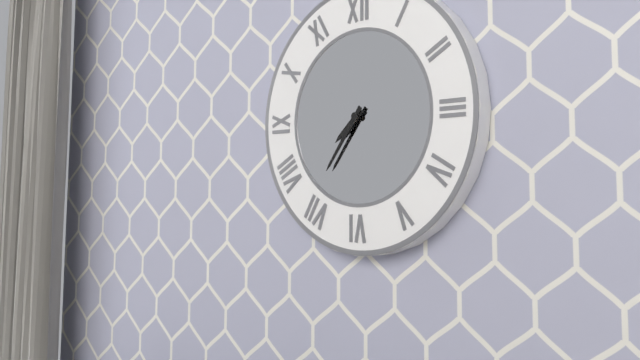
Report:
**7:36**
